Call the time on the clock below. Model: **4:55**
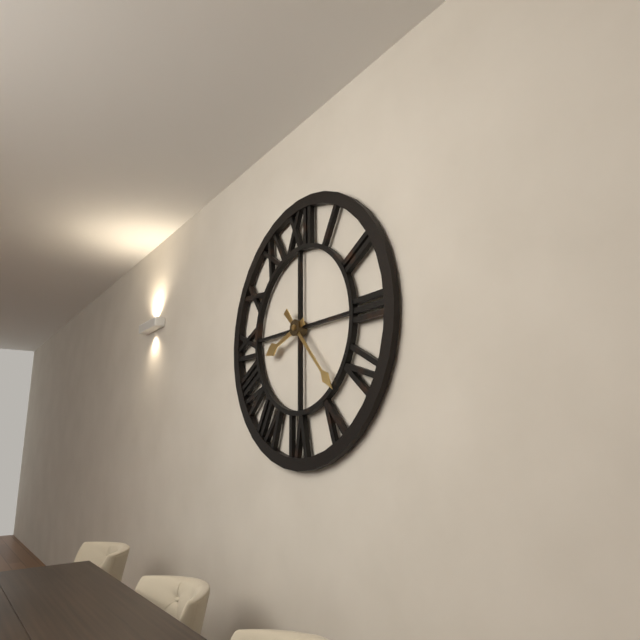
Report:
**8:23**
